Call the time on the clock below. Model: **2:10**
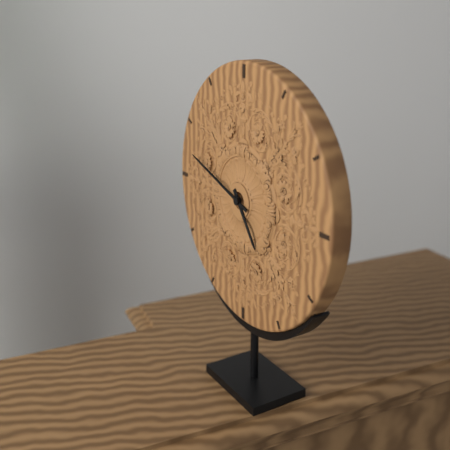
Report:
**4:48**
